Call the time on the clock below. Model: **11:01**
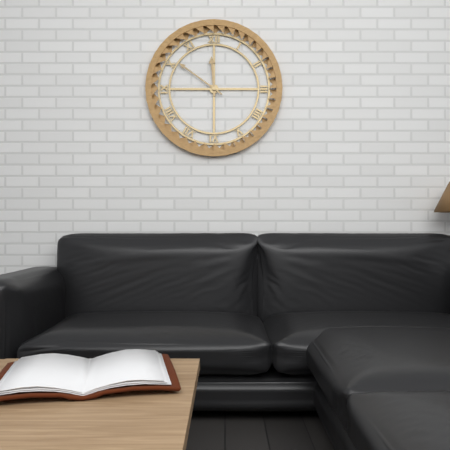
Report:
**11:51**
